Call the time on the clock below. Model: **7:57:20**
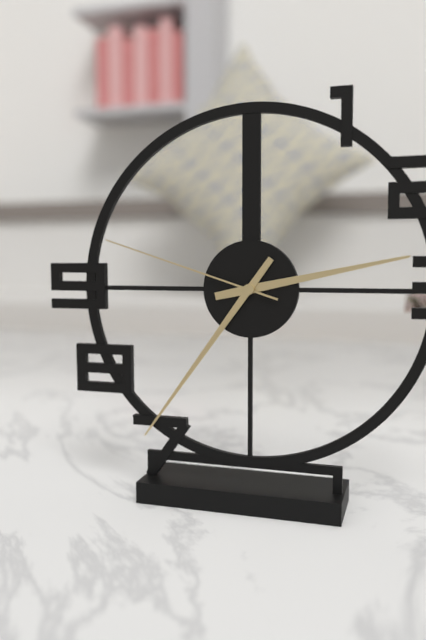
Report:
**2:36:48**
